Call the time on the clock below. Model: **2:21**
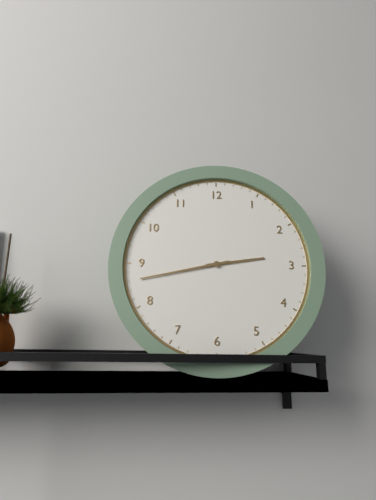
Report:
**2:43**
